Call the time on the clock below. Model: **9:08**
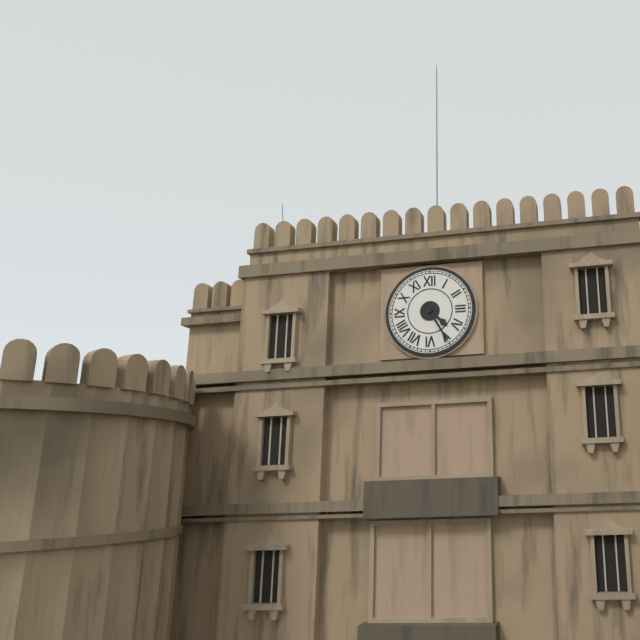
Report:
**4:25**
